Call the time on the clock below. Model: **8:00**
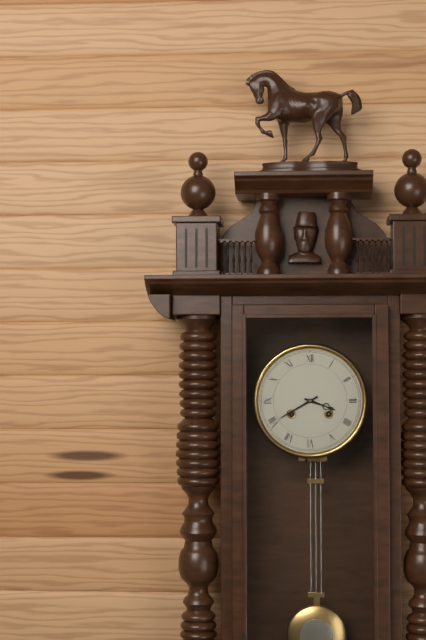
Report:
**3:40**
